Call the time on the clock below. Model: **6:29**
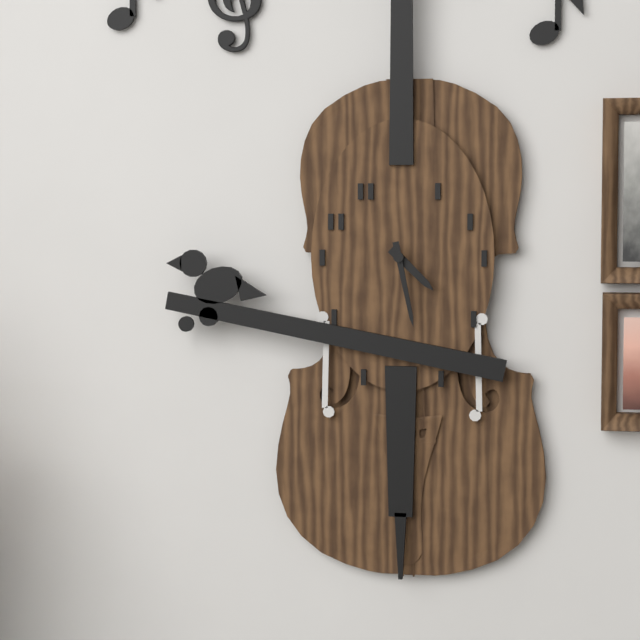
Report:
**4:28**
